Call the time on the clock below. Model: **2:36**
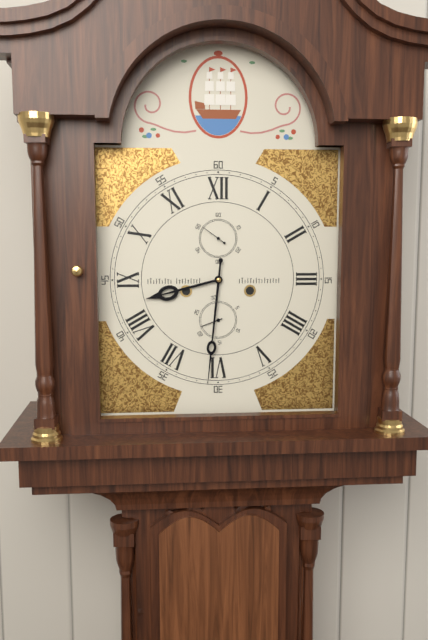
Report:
**8:31**
